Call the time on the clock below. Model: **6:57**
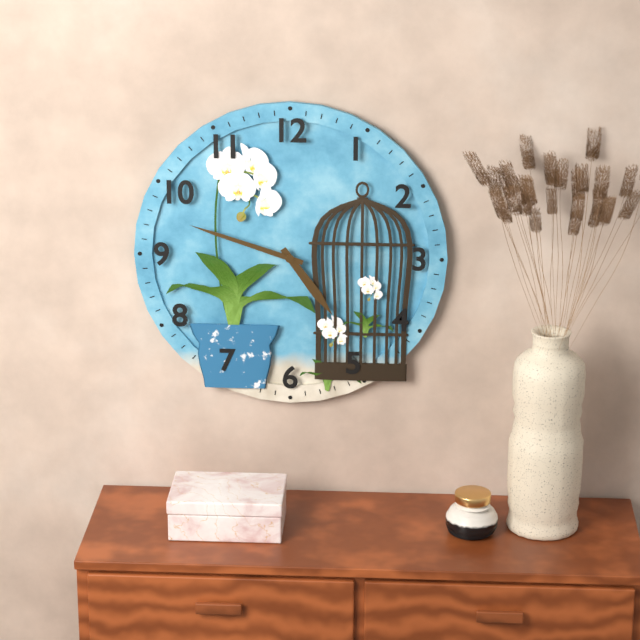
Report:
**4:48**
